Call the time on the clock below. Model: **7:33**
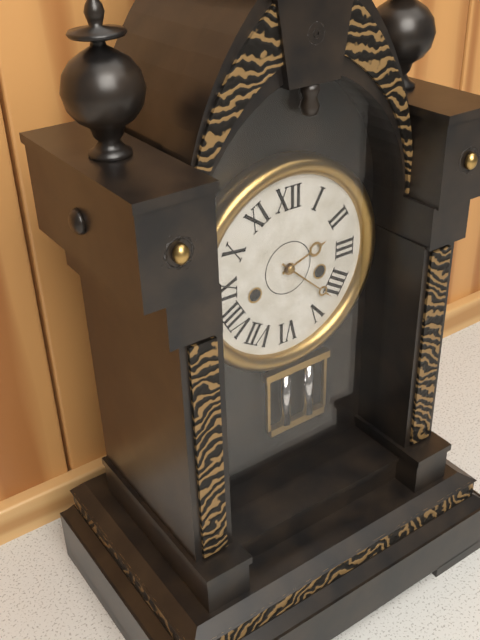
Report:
**2:22**
